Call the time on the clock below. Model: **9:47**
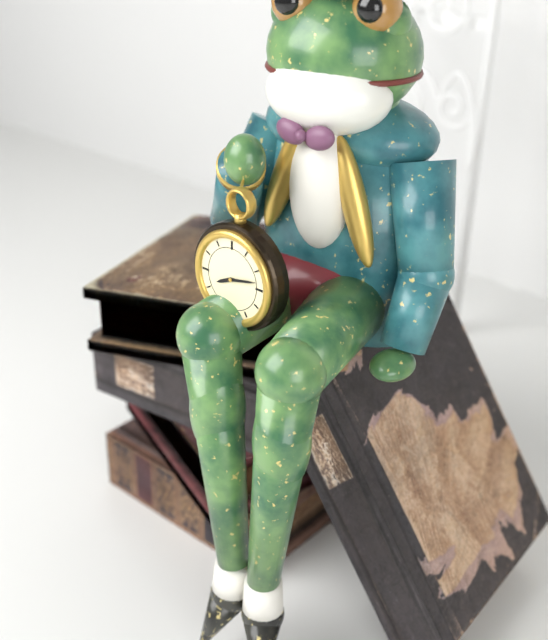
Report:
**8:13**
